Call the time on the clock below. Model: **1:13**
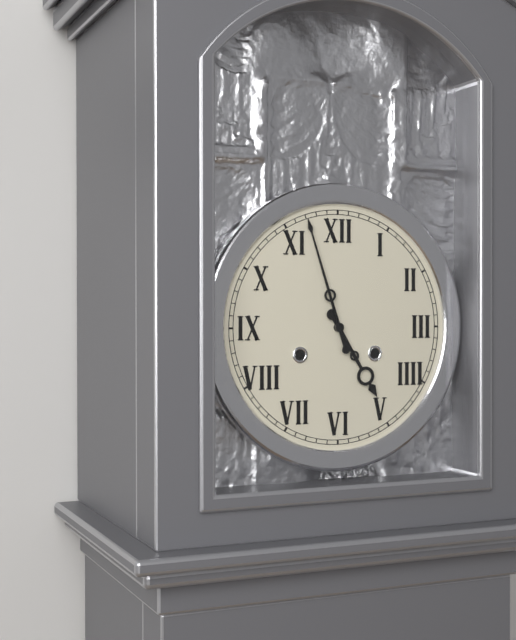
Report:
**4:57**
